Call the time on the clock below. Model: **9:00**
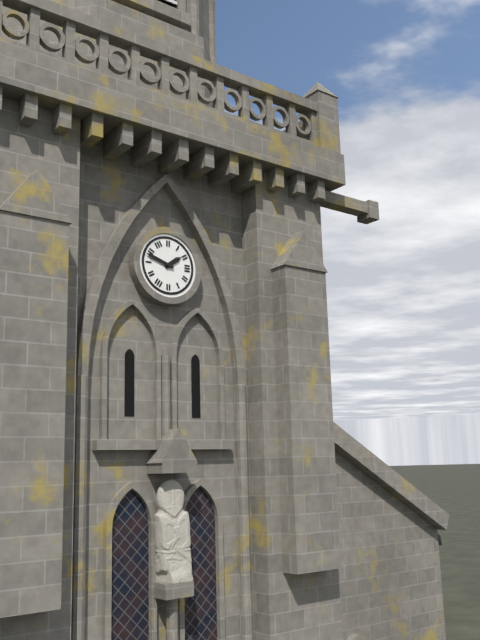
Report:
**1:48**
